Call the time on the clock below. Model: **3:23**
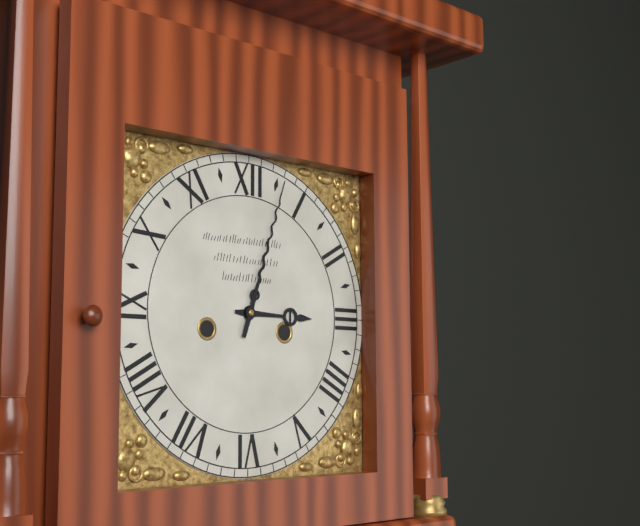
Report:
**3:03**
